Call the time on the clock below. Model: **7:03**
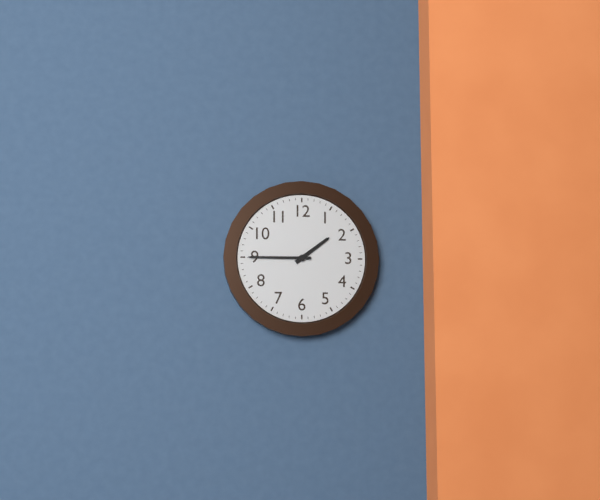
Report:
**1:45**
